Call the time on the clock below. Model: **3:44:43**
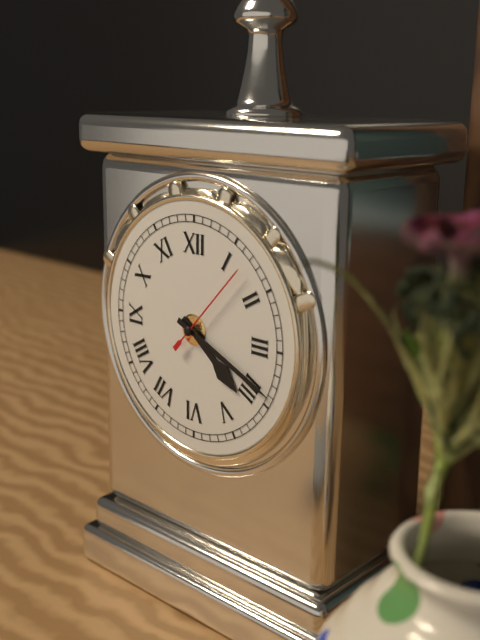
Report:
**4:19:07**
